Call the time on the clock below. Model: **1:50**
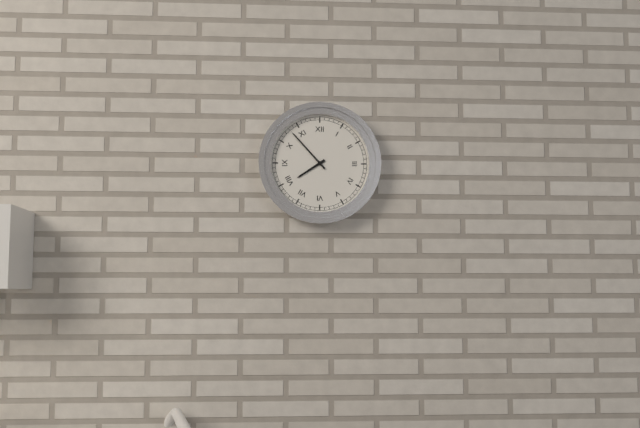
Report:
**7:53**
